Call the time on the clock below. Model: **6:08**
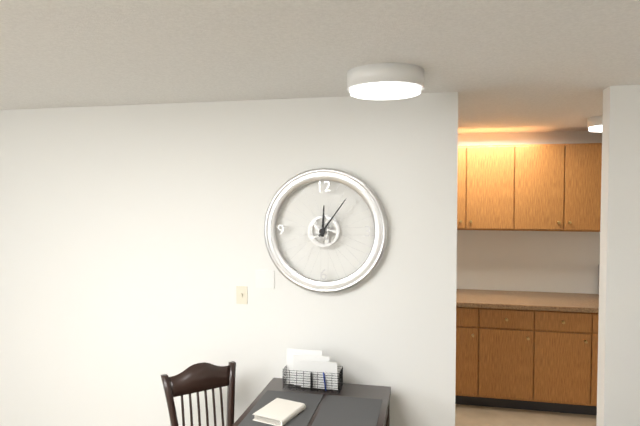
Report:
**12:06**
